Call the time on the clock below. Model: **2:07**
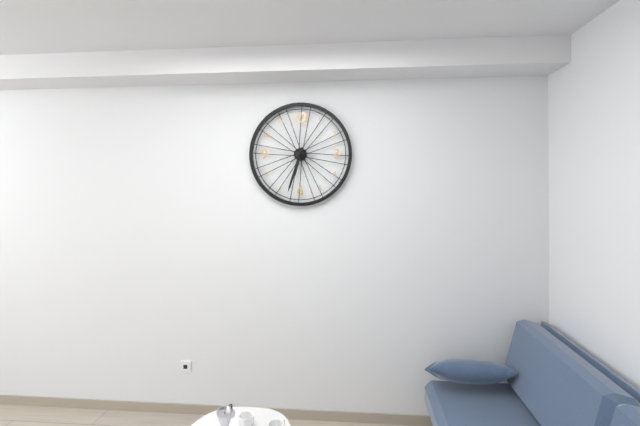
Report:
**6:33**
